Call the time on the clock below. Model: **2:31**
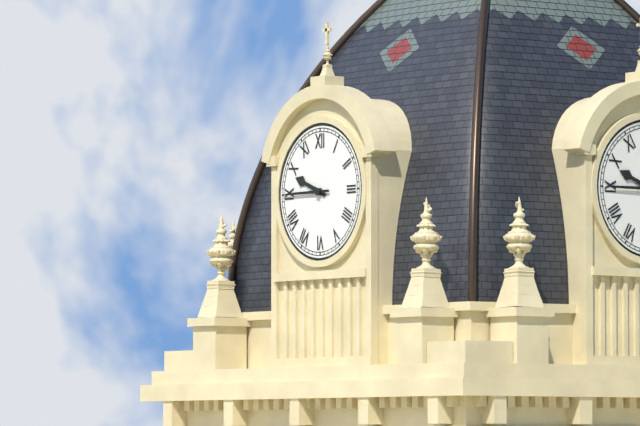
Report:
**9:45**
